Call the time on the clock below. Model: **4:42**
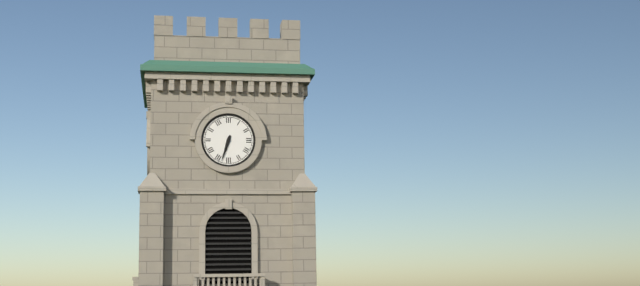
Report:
**6:33**
